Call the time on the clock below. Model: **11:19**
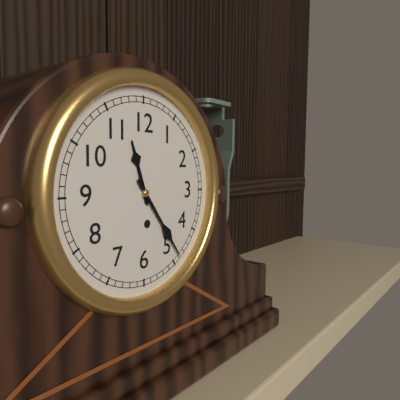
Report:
**11:24**
